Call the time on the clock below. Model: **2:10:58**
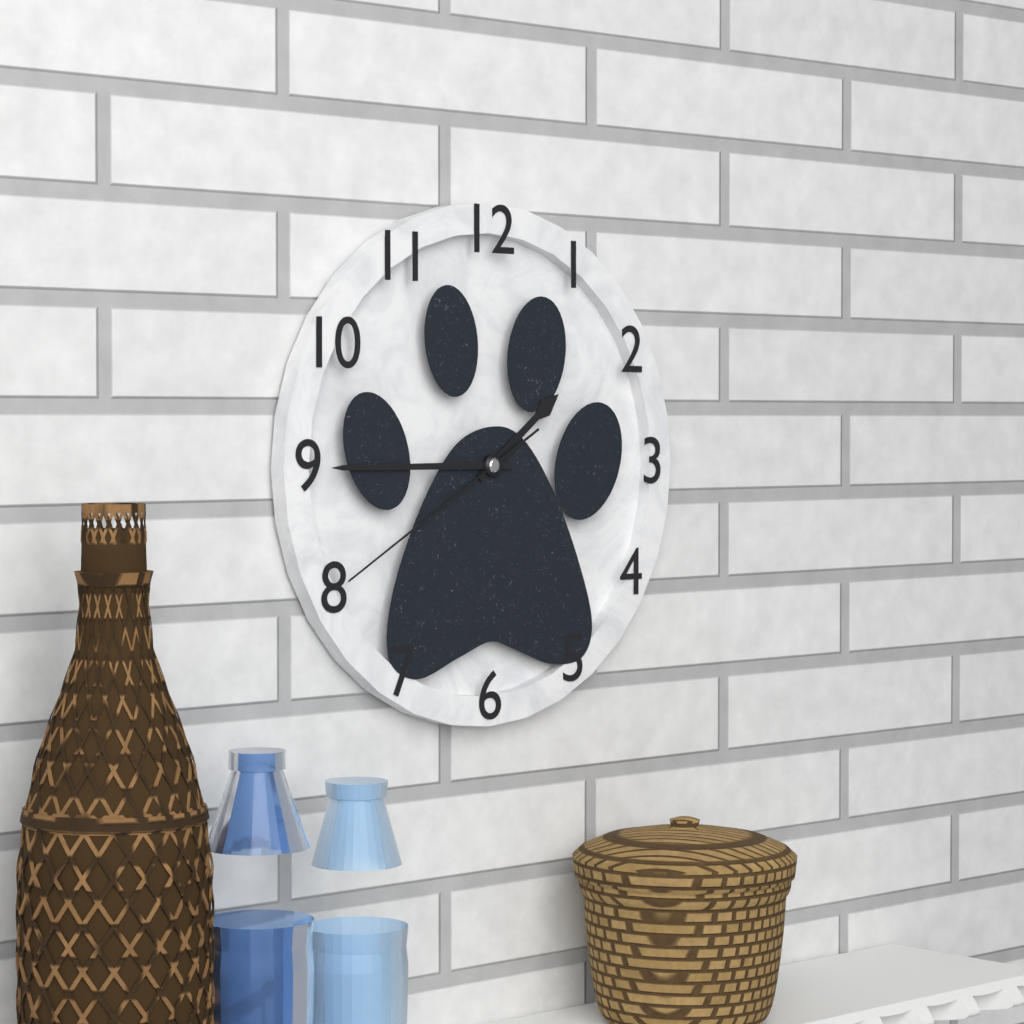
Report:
**1:45:40**
